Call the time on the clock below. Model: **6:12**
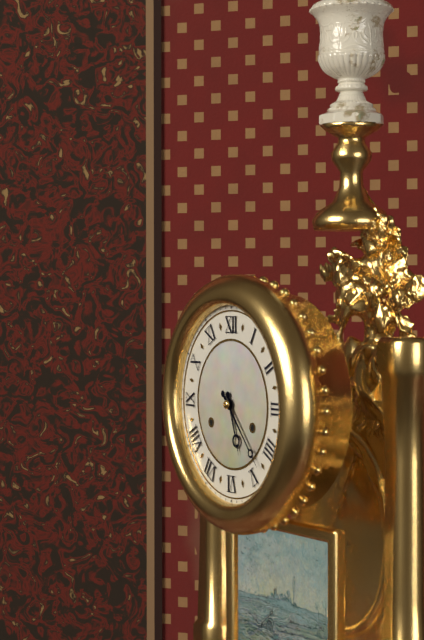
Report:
**5:23**
